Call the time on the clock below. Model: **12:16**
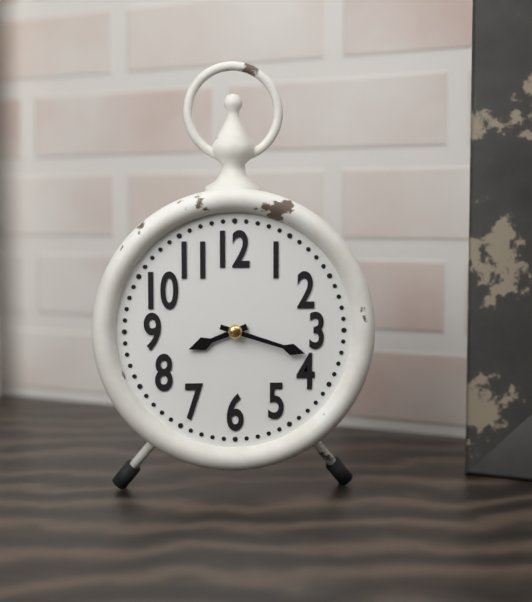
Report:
**8:18**
